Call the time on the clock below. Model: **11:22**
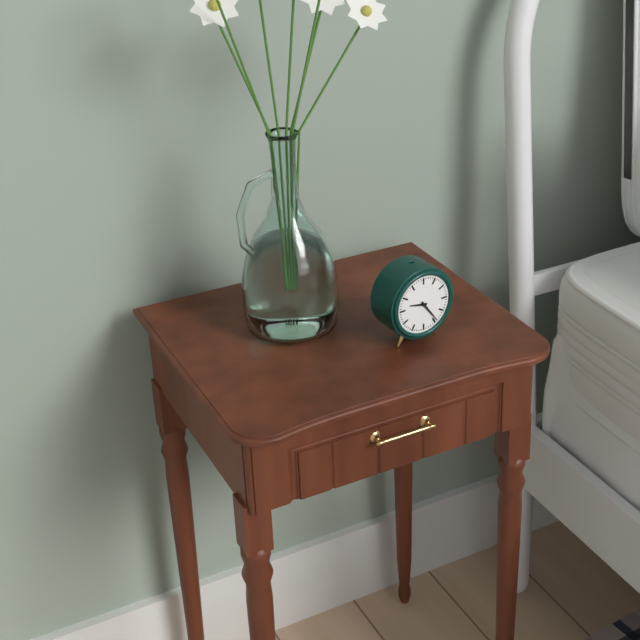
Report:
**9:24**
